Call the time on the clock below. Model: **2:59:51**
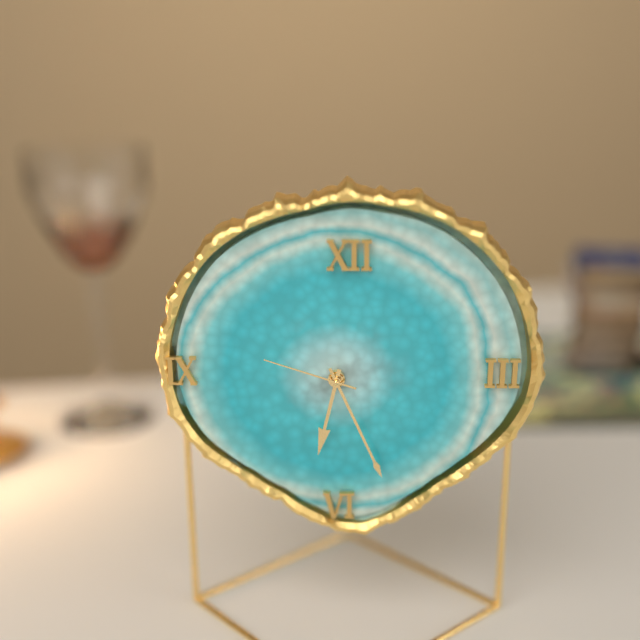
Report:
**6:26:48**
